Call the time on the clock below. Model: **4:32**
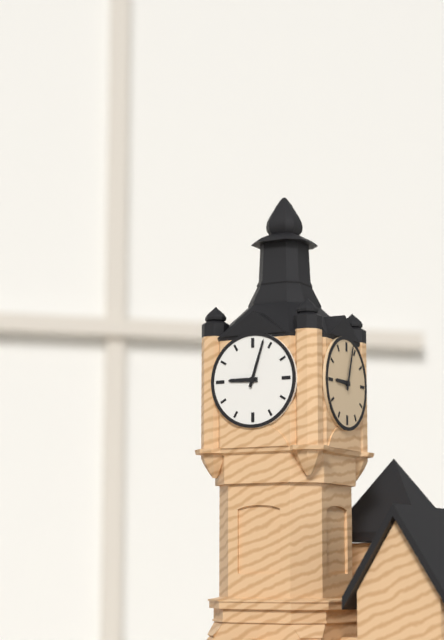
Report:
**9:03**
